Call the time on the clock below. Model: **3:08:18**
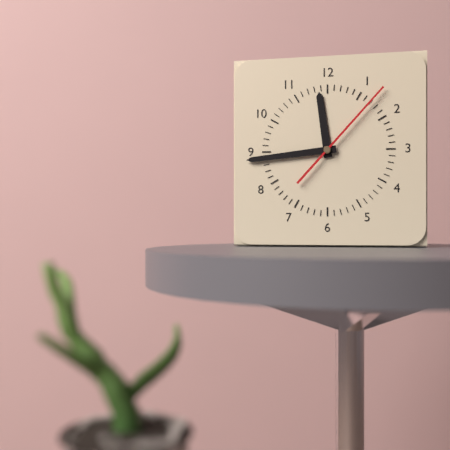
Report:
**11:44:07**
